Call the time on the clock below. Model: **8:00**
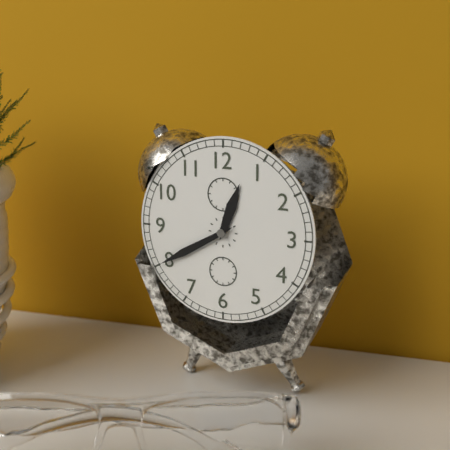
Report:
**12:40**
